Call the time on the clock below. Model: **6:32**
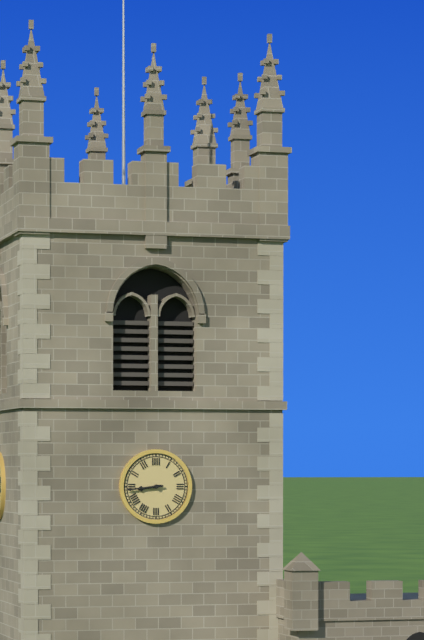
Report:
**8:44**
